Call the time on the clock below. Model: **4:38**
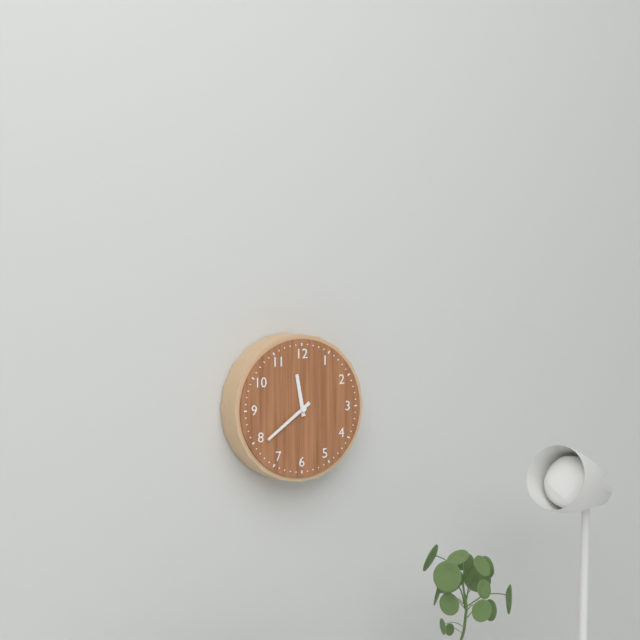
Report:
**11:39**
